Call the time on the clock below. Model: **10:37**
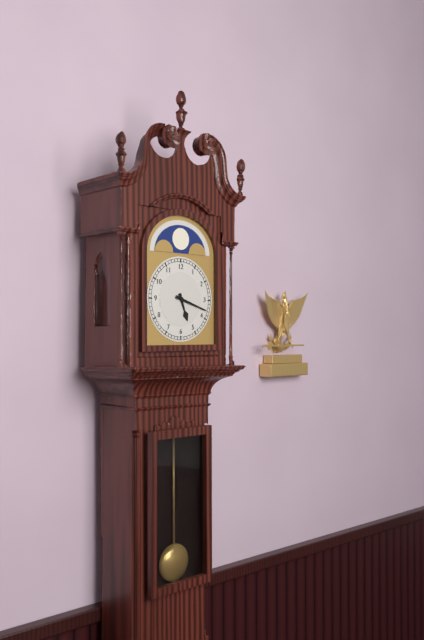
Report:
**5:18**
